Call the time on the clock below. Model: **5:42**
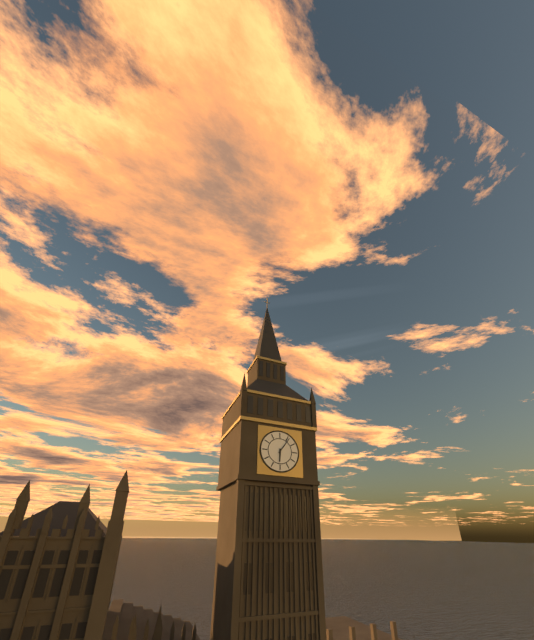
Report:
**6:06**
